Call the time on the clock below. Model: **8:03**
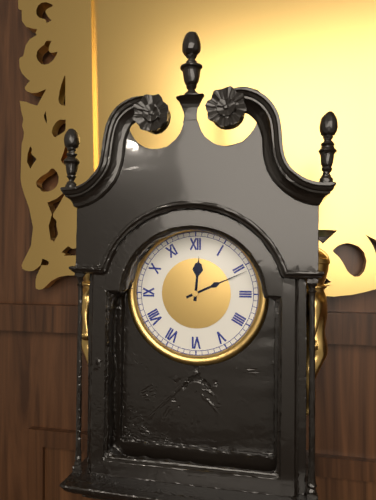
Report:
**12:11**
